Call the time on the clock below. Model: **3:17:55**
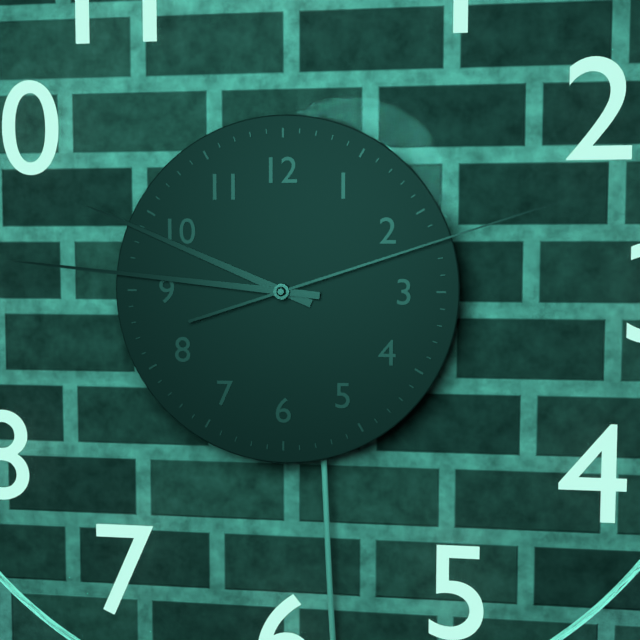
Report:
**9:46:12**
